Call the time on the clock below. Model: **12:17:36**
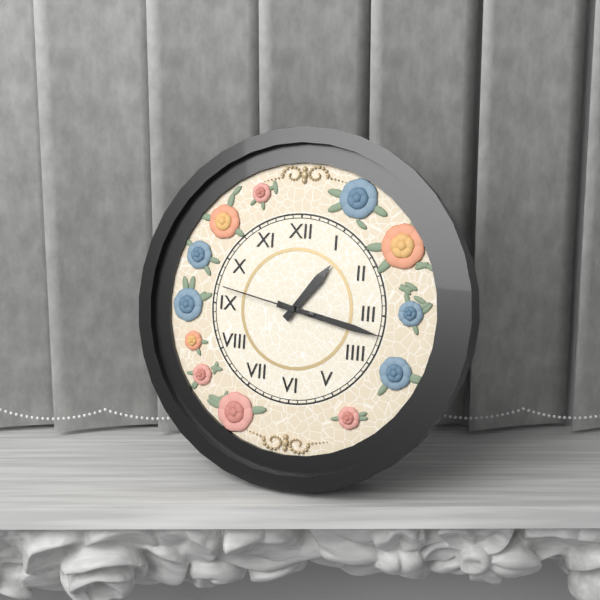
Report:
**1:17:47**
